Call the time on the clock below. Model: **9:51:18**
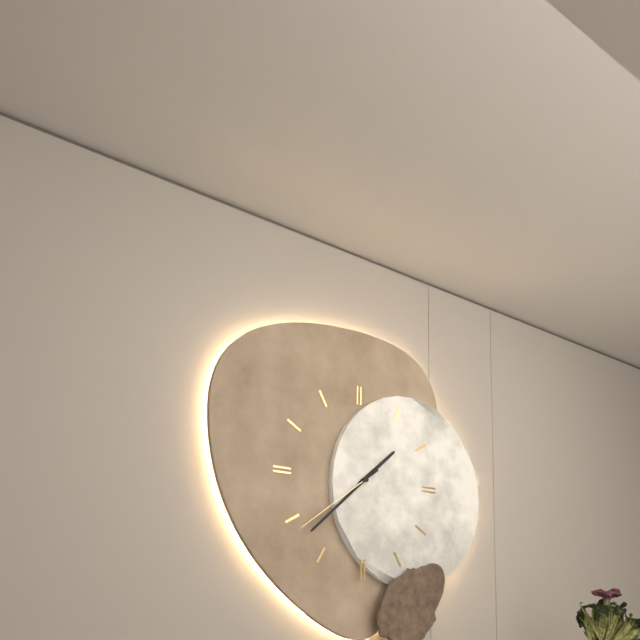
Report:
**1:38:39**
